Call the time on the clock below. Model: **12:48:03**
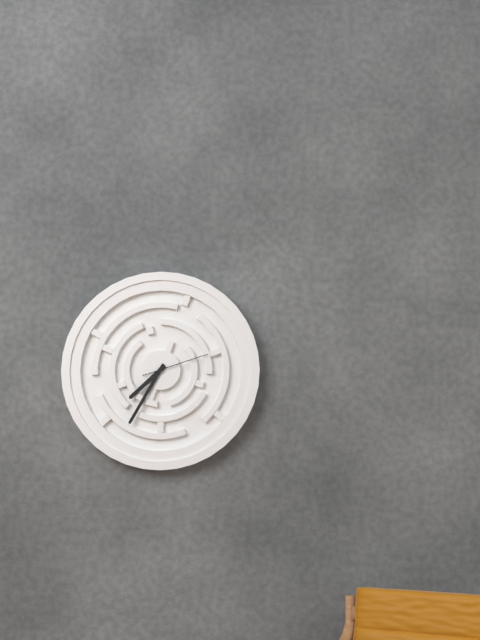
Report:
**7:35:12**
